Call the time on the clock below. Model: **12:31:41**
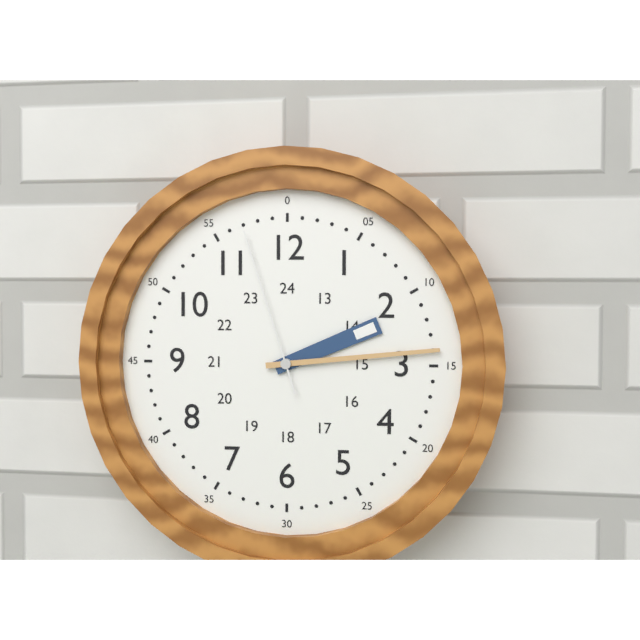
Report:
**2:14:57**
